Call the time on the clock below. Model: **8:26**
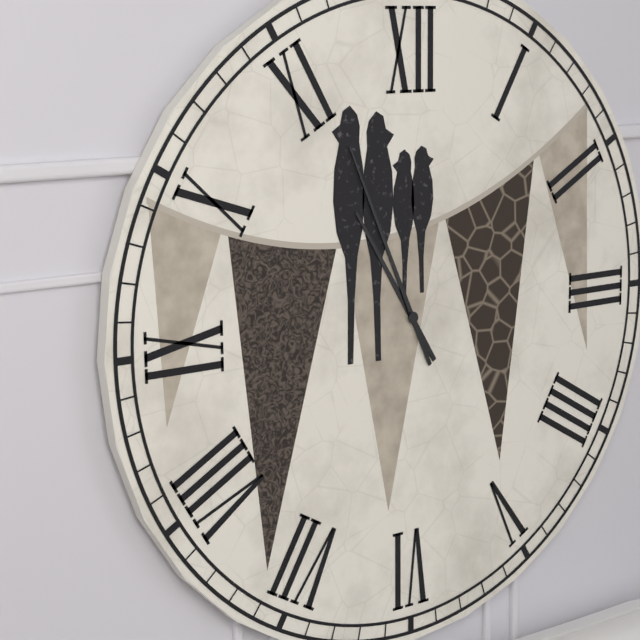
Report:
**10:56**
